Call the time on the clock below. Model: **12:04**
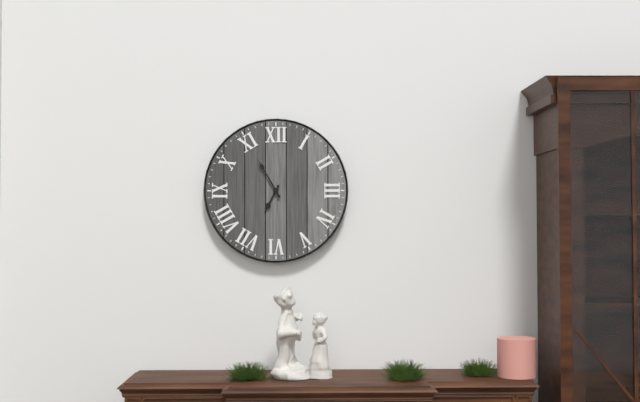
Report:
**6:55**
